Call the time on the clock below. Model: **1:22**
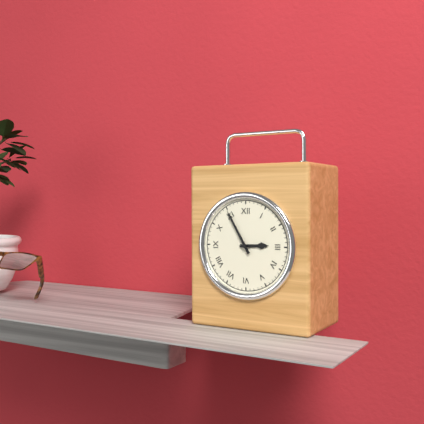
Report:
**2:55**
